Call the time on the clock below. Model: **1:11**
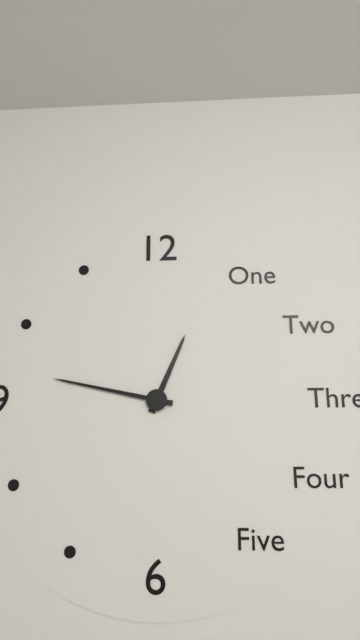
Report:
**12:47**
